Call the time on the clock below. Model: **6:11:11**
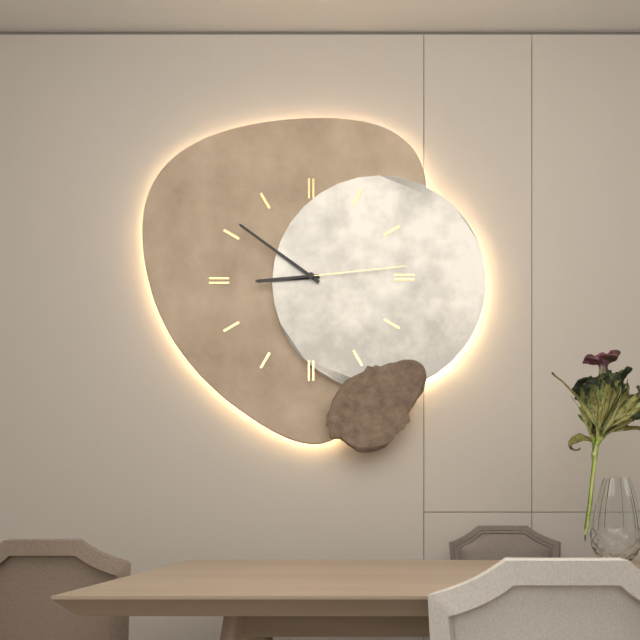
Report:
**8:51:14**
